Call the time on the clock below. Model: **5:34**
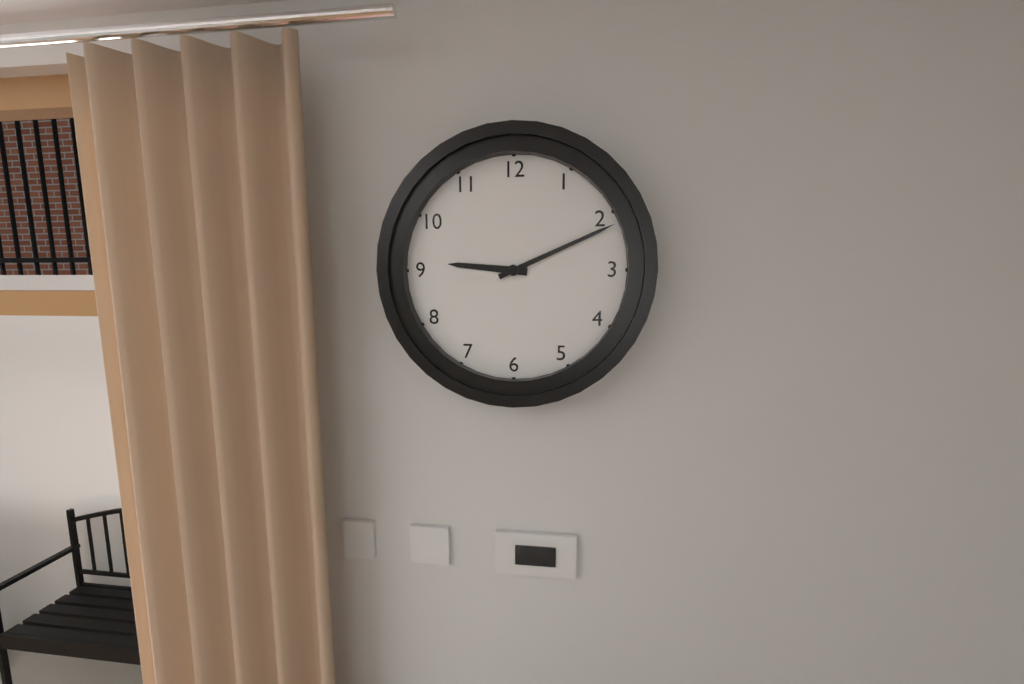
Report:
**9:11**
